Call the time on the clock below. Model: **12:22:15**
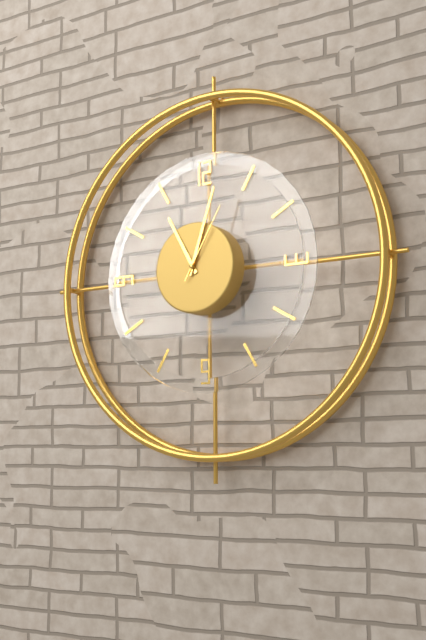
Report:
**11:03:05**
